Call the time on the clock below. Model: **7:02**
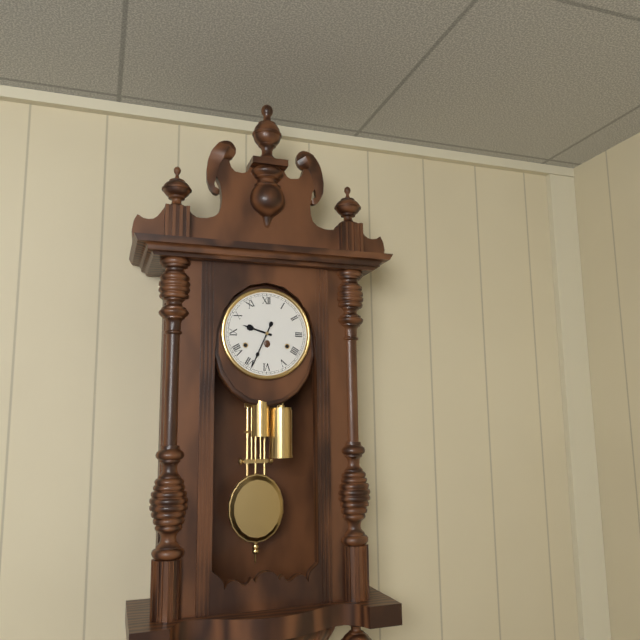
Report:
**9:34**
